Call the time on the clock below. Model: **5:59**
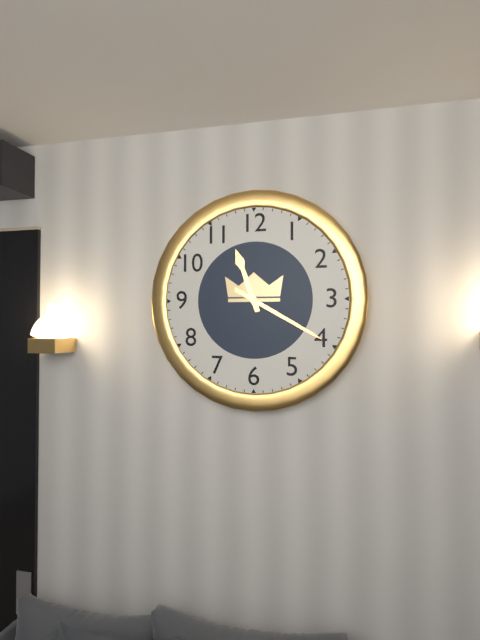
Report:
**11:20**
